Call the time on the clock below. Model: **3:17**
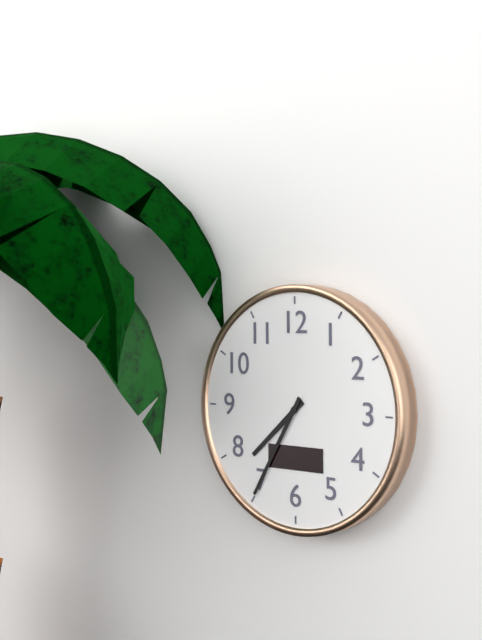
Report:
**7:35**
